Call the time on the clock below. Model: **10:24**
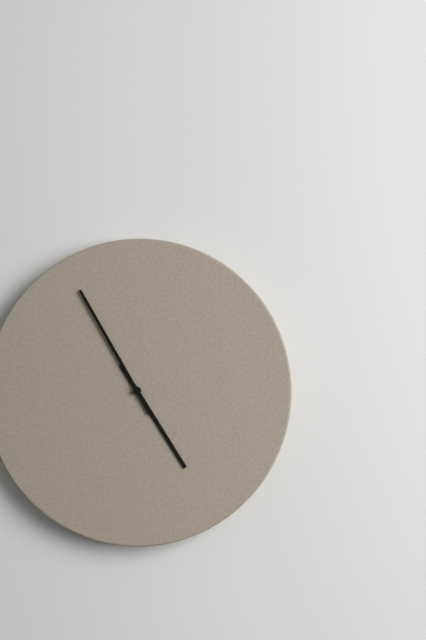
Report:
**4:55**
